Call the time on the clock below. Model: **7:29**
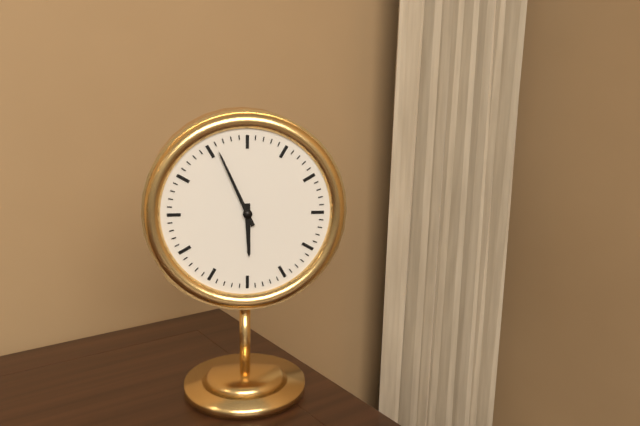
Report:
**5:56**
